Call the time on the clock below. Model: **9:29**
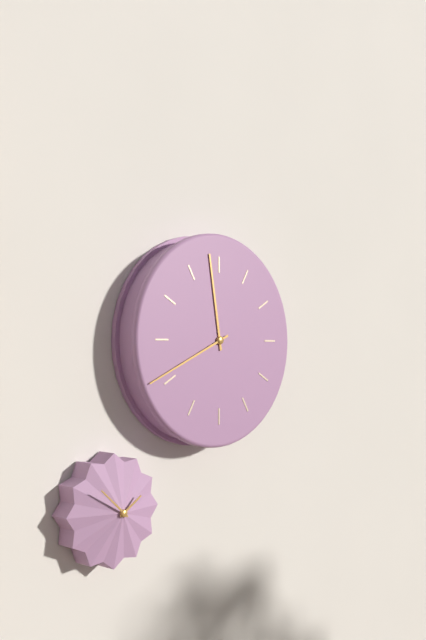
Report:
**11:41**
